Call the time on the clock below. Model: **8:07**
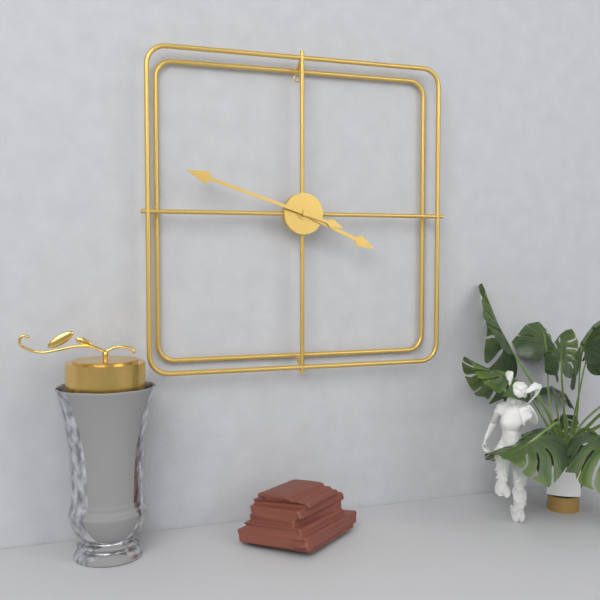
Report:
**3:48**
